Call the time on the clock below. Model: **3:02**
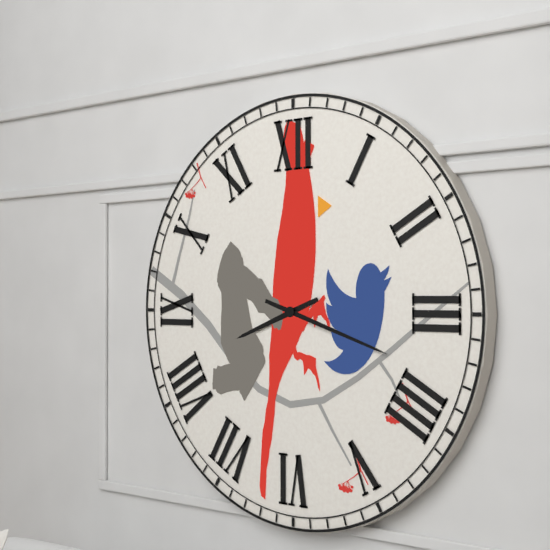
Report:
**8:18**
